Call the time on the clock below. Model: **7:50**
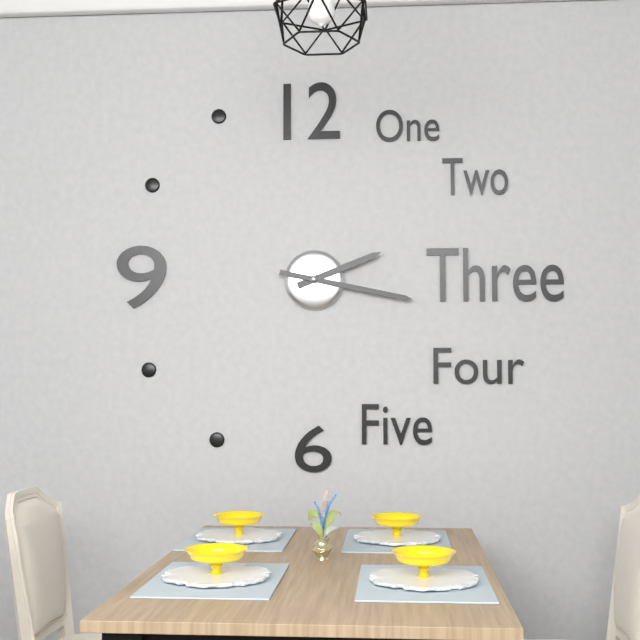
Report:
**2:17**
